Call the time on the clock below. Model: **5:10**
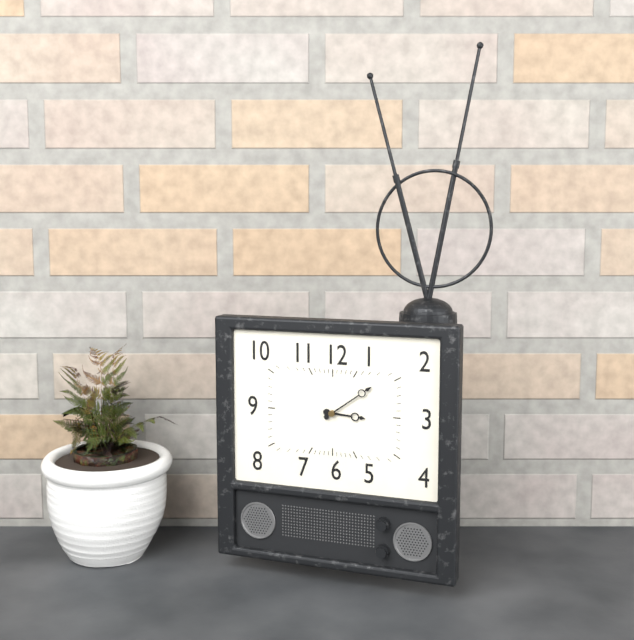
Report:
**3:09**
